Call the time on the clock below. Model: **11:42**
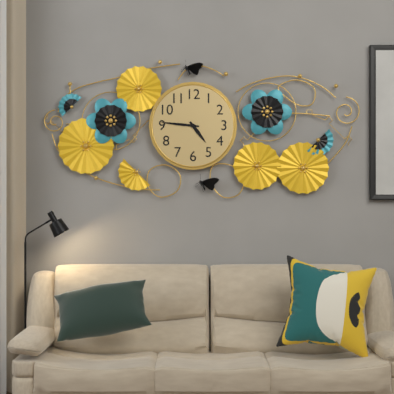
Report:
**4:46**
